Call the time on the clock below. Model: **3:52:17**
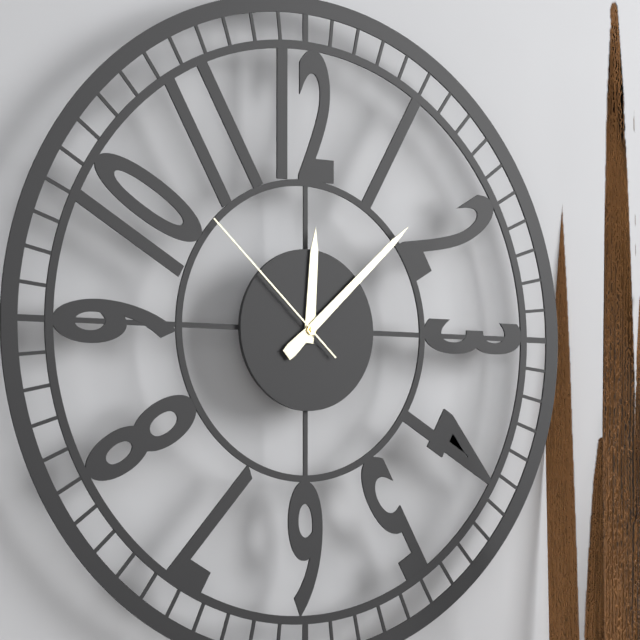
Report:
**12:08:52**
